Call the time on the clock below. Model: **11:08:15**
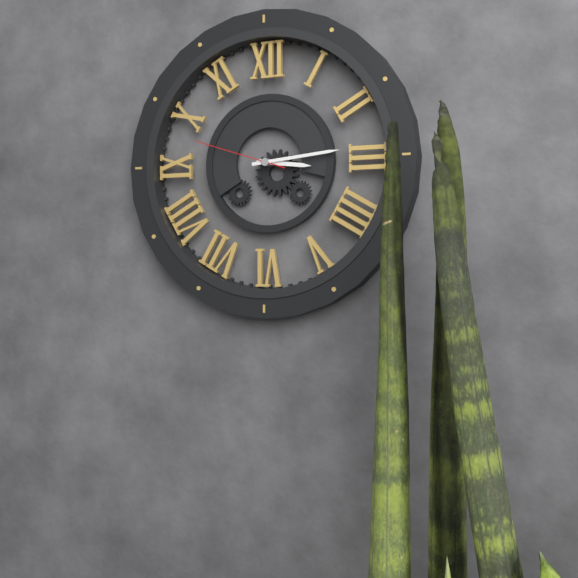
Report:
**3:14:48**
